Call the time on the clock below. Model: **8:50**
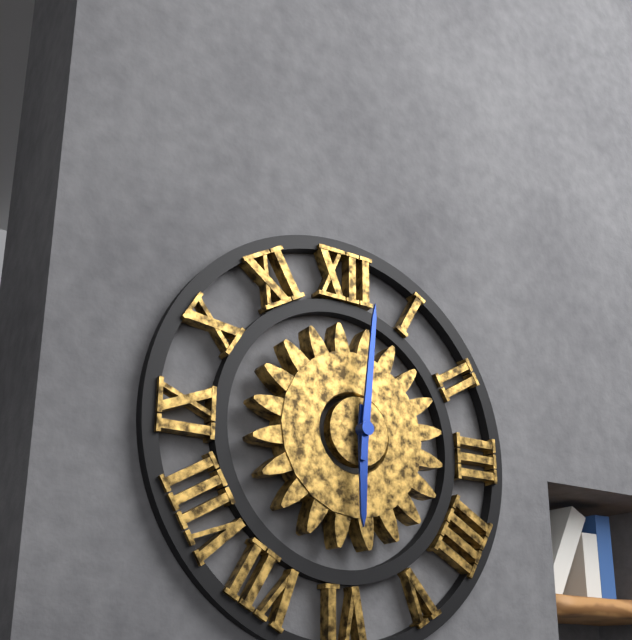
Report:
**6:01**
